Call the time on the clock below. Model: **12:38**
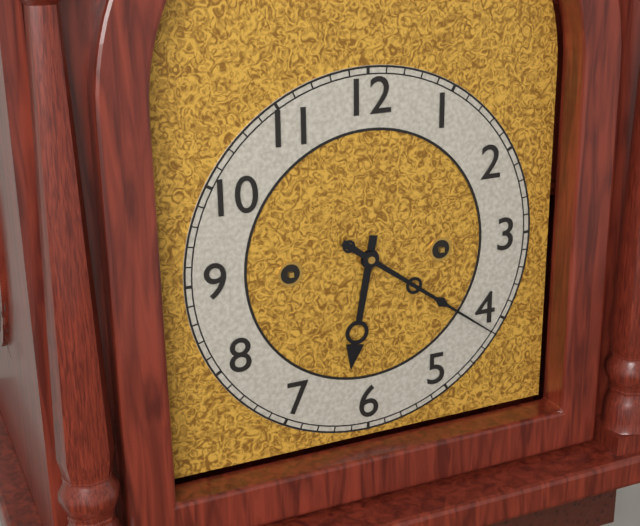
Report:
**6:21**
